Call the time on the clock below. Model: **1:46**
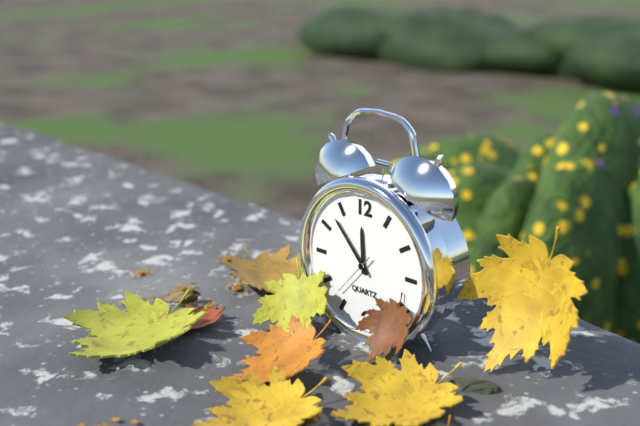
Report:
**11:53**
